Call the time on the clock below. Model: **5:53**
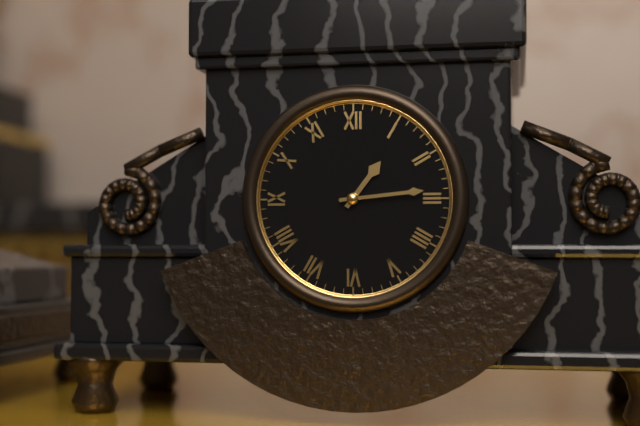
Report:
**1:14**
